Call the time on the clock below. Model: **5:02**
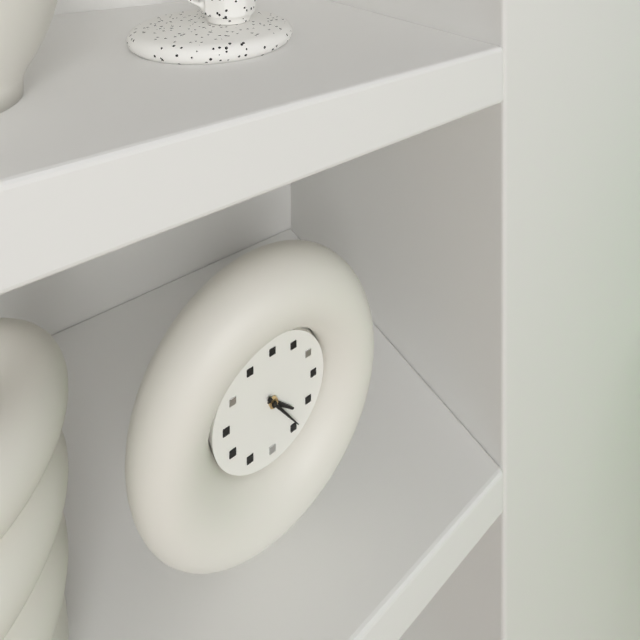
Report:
**4:24**
